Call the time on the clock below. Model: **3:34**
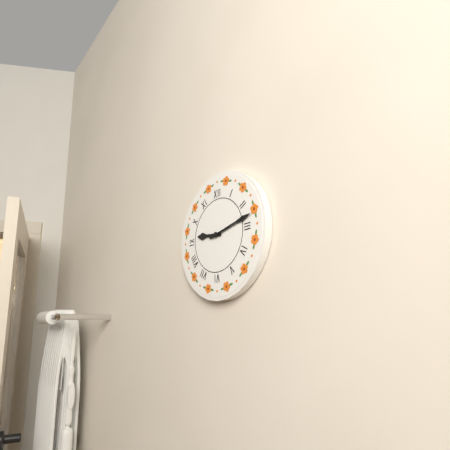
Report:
**9:13**
